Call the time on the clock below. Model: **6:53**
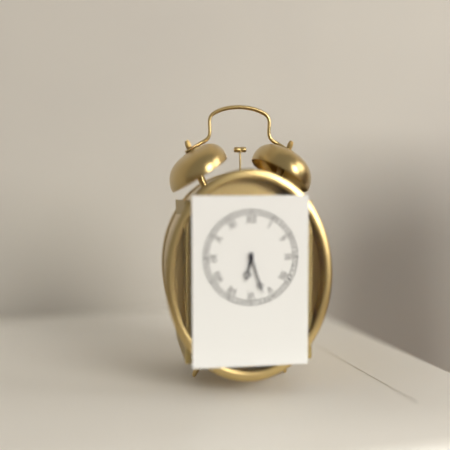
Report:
**6:27**
